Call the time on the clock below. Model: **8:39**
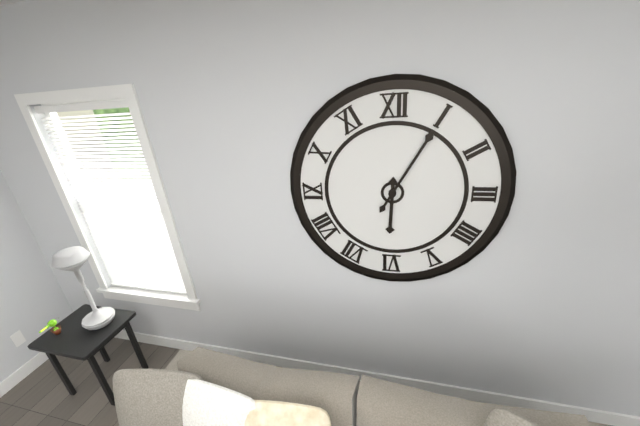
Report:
**6:05**
